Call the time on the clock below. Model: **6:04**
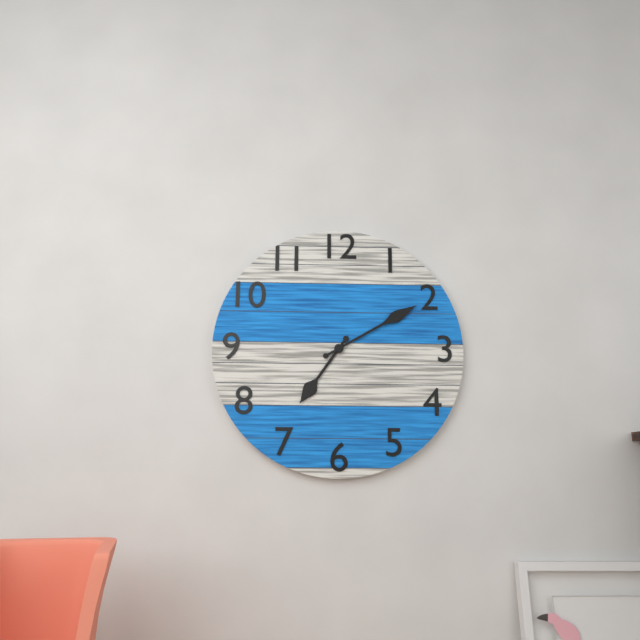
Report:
**7:10**
